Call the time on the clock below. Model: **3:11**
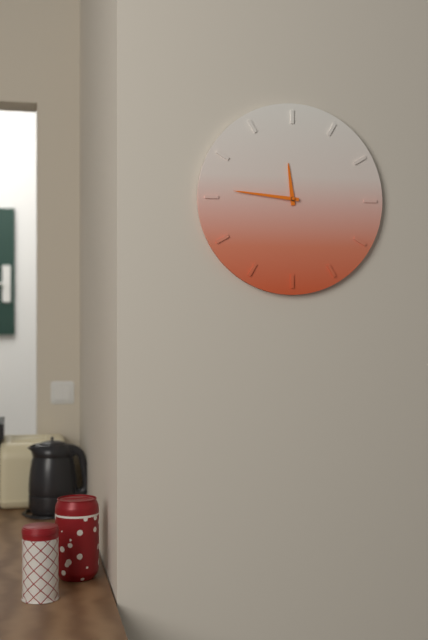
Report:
**11:46**
